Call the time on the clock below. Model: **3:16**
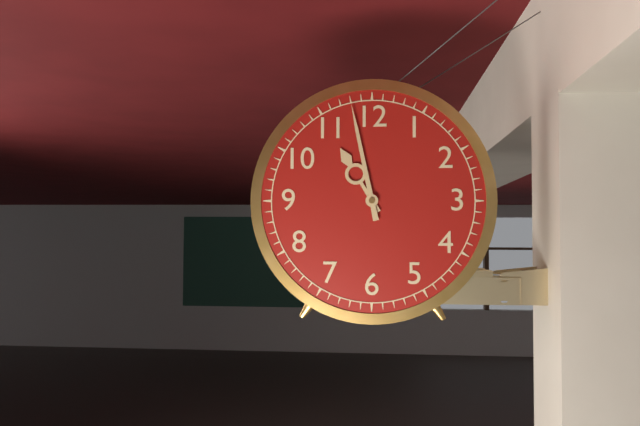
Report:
**10:58**
